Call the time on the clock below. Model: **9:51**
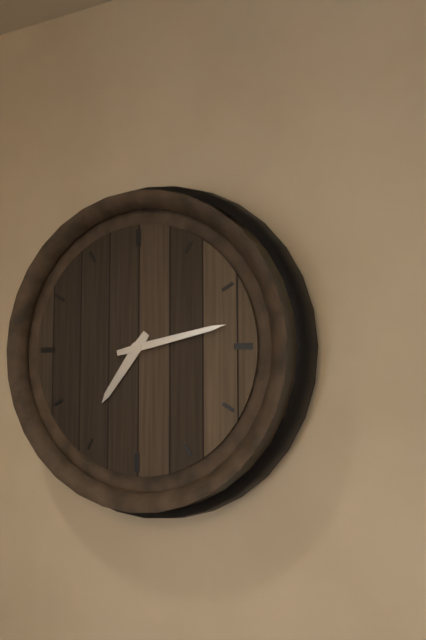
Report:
**7:13**
